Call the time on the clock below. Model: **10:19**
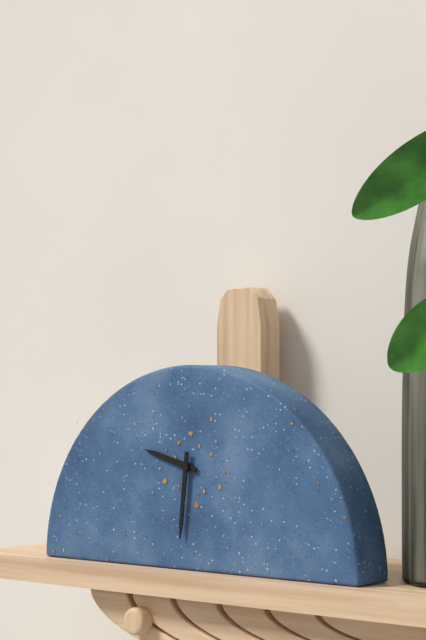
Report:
**9:31**
